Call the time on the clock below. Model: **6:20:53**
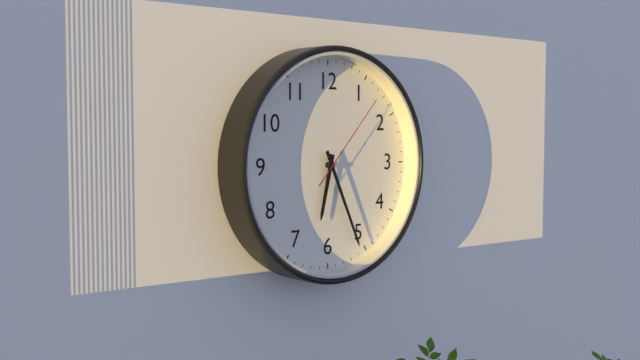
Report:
**6:26:07**
